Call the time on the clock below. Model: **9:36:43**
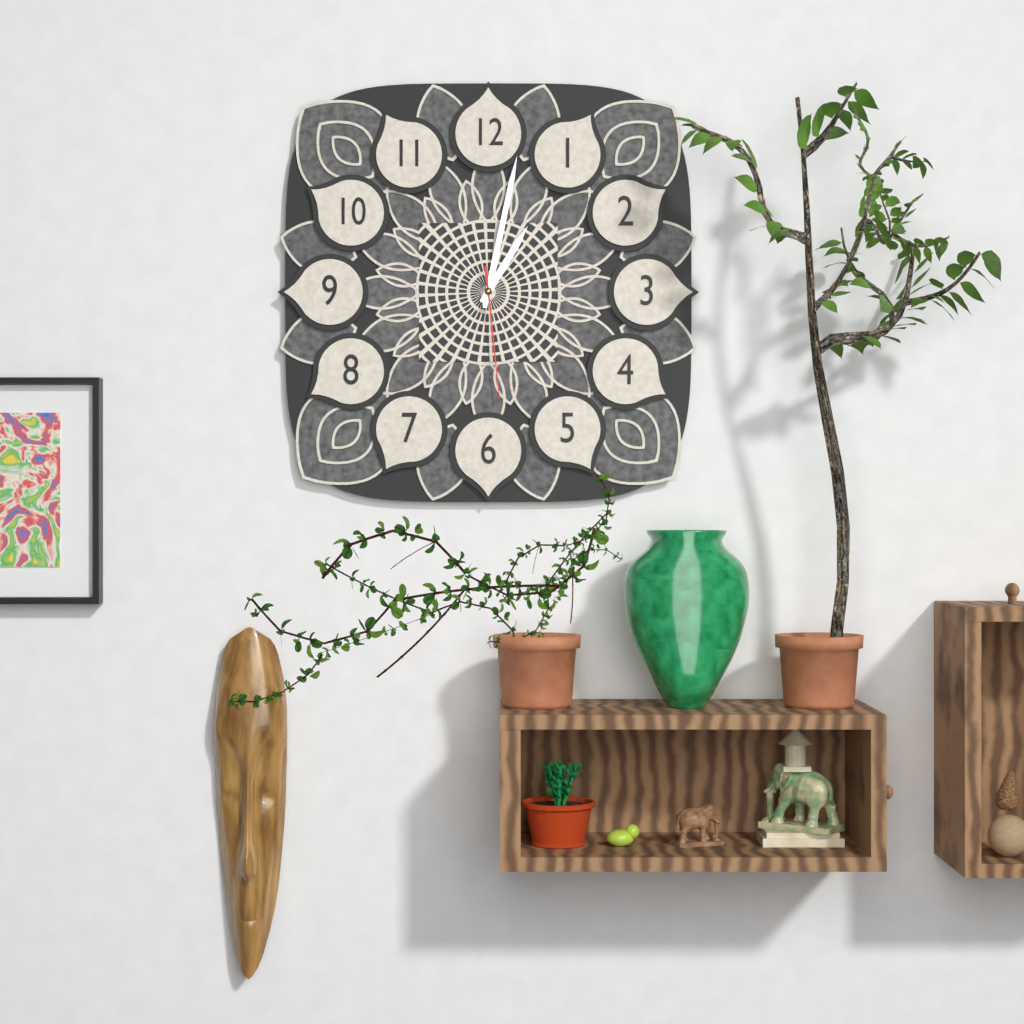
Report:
**1:02:29**
